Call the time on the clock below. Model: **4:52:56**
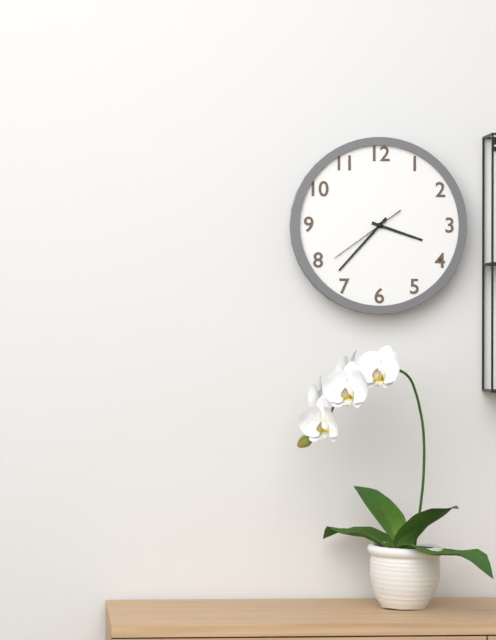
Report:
**3:37:39**
